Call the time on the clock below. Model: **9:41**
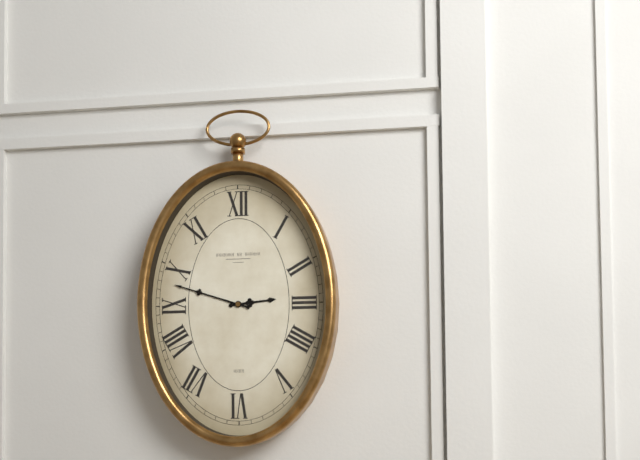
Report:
**2:48**
